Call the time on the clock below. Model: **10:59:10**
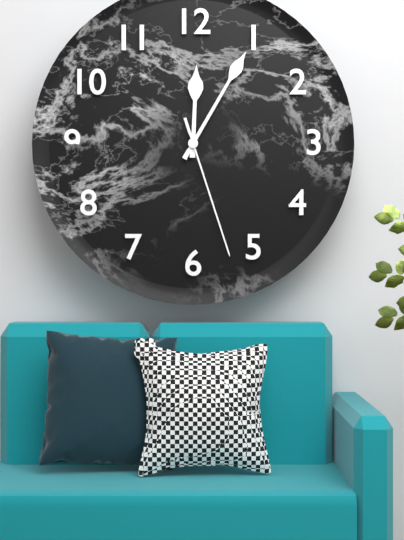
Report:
**12:05:27**
